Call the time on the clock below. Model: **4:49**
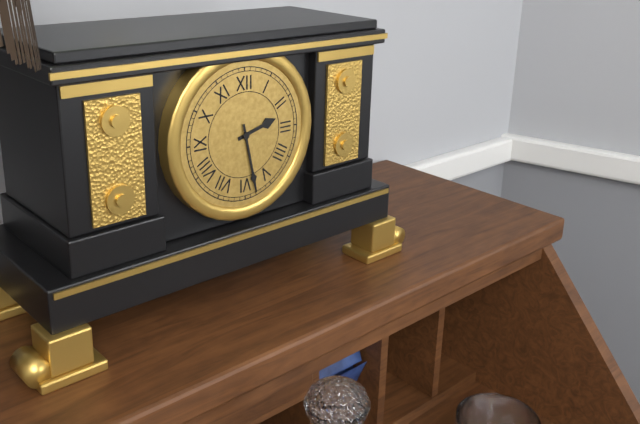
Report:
**2:28**
